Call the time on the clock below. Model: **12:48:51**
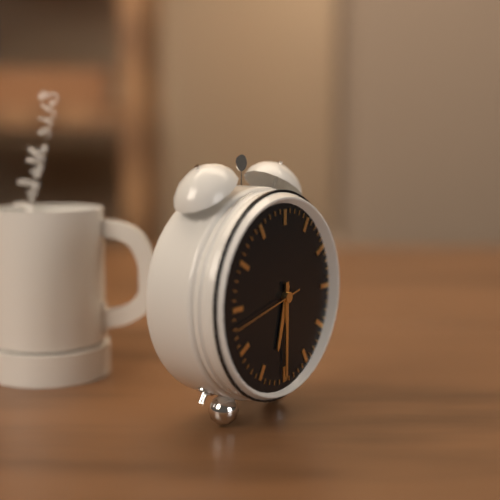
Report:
**6:30:43**
